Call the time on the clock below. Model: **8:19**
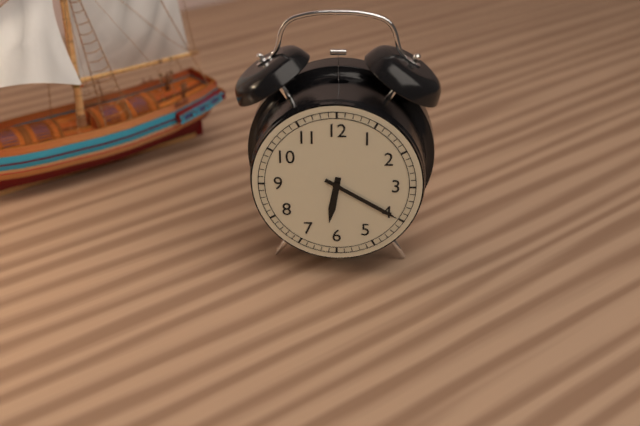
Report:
**6:20**
